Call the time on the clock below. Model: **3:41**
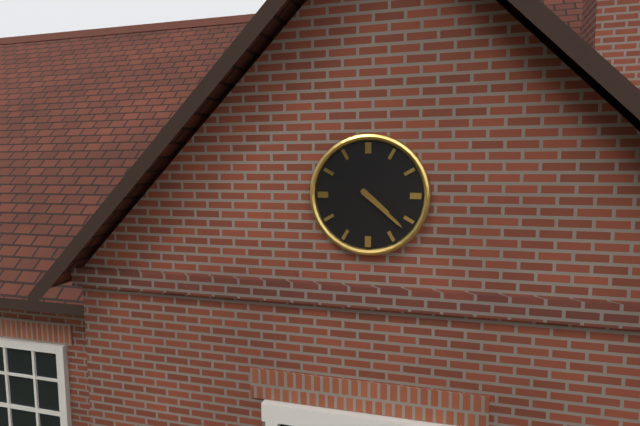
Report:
**4:22**
